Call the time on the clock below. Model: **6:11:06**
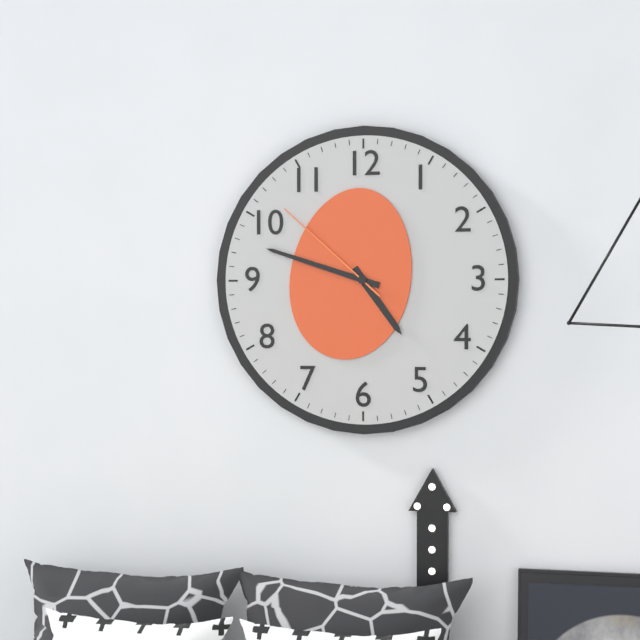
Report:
**4:48:52**
